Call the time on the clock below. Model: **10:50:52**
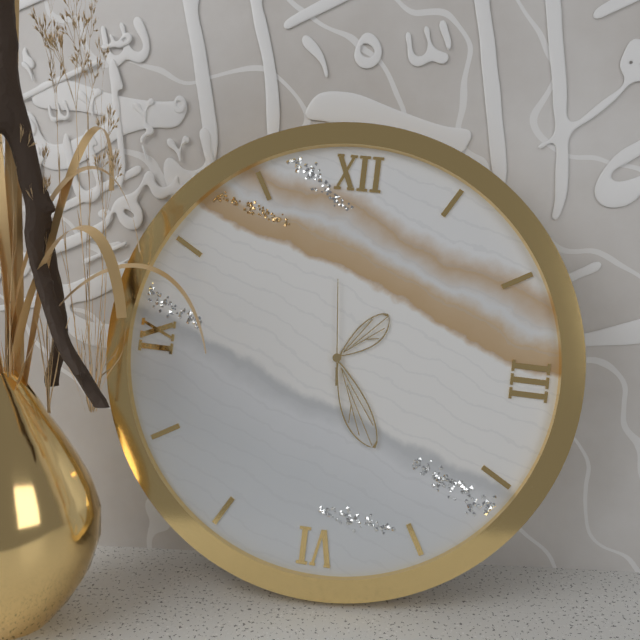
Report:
**1:25:59**
